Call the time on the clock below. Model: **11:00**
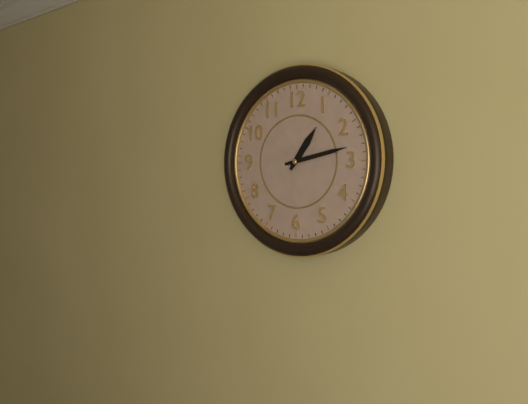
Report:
**1:13**
